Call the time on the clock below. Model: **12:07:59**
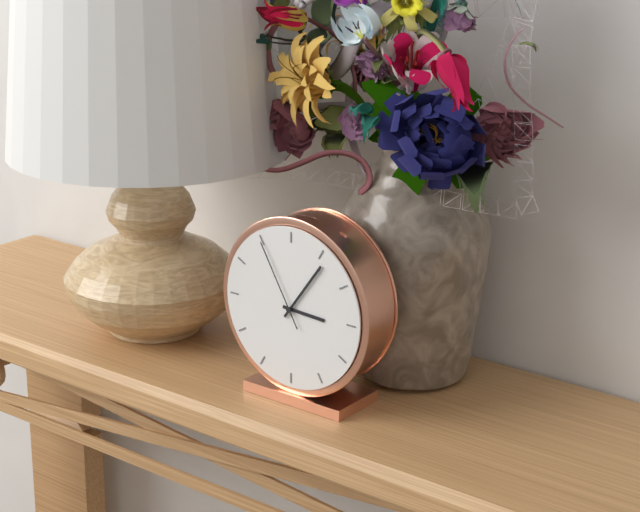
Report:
**3:06:55**
